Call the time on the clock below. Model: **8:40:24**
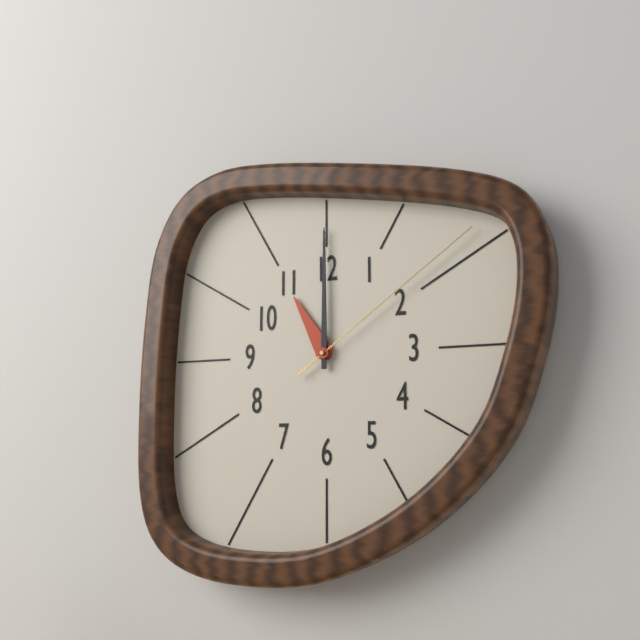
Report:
**11:00:09**
